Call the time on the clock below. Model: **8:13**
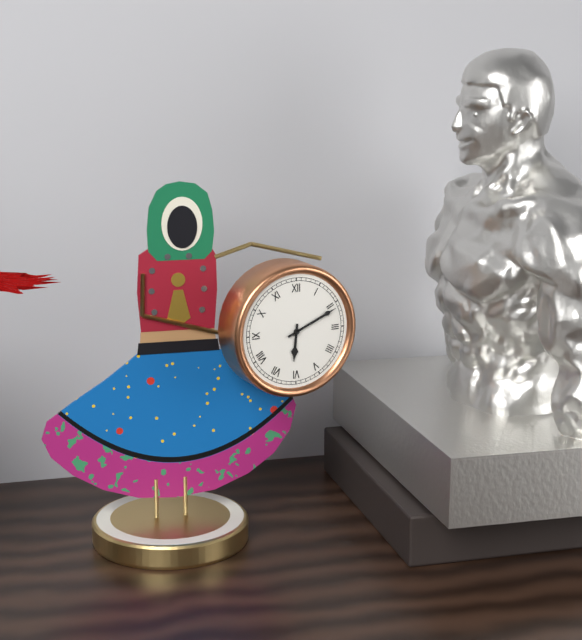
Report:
**6:11**
